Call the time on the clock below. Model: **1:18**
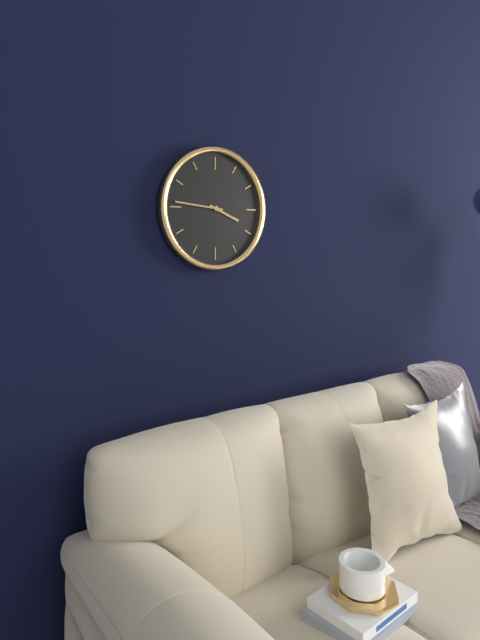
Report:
**3:46**
